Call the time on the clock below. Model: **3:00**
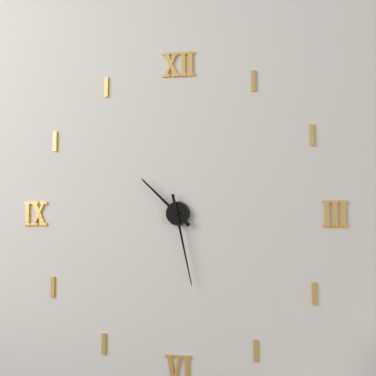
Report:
**10:28**
